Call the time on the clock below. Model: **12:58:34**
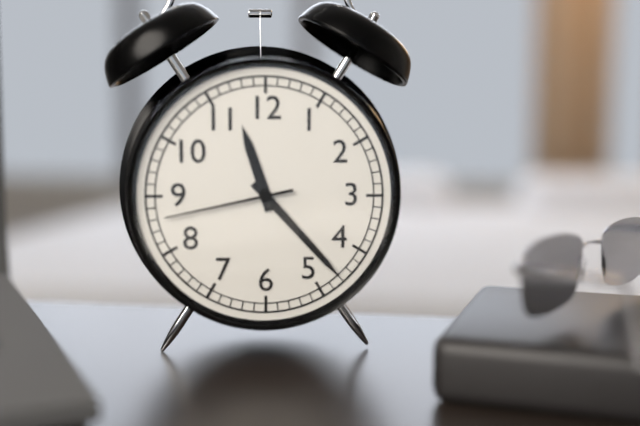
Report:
**11:23:43**
